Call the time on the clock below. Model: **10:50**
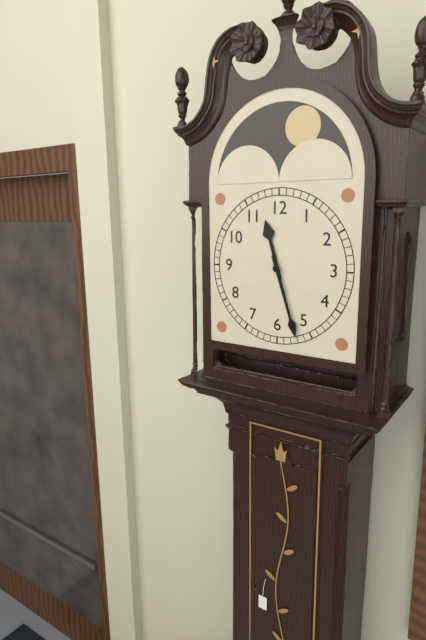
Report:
**11:27**
